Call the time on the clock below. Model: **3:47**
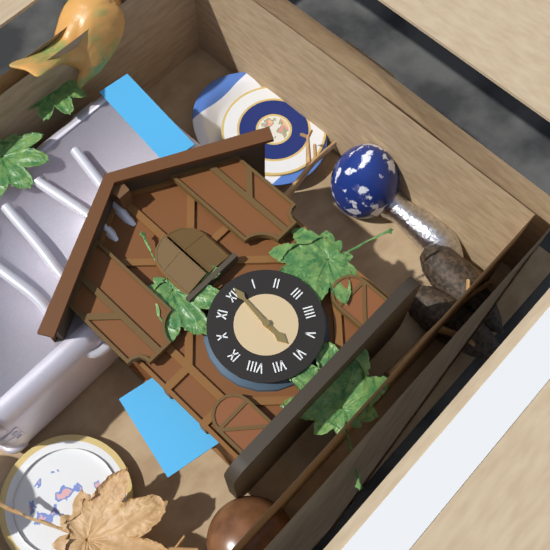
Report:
**6:01**
